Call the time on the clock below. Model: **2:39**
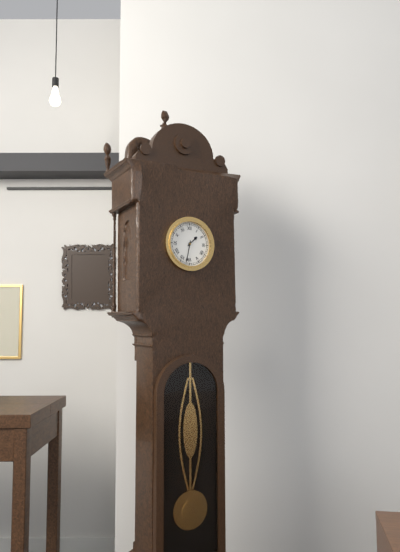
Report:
**1:32**
